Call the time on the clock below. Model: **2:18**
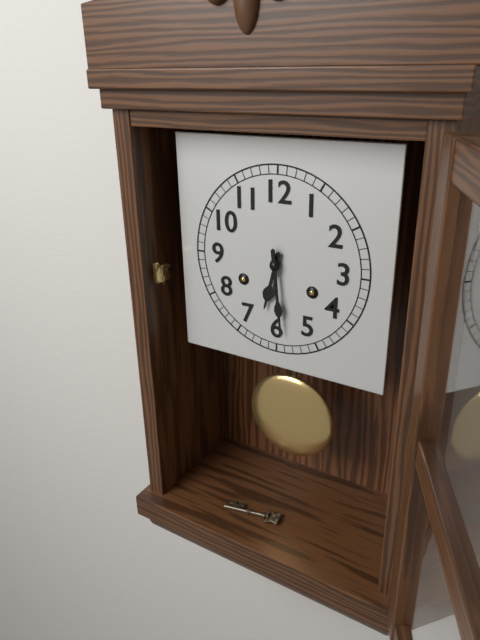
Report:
**6:29**
